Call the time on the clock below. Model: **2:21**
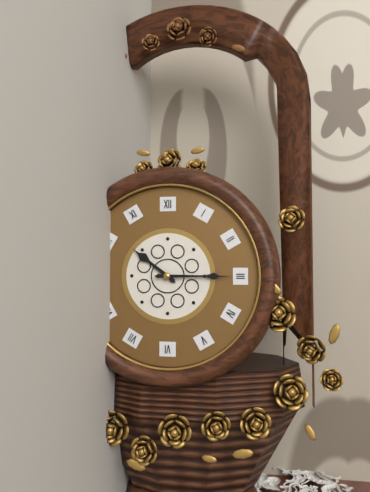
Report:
**10:15**
